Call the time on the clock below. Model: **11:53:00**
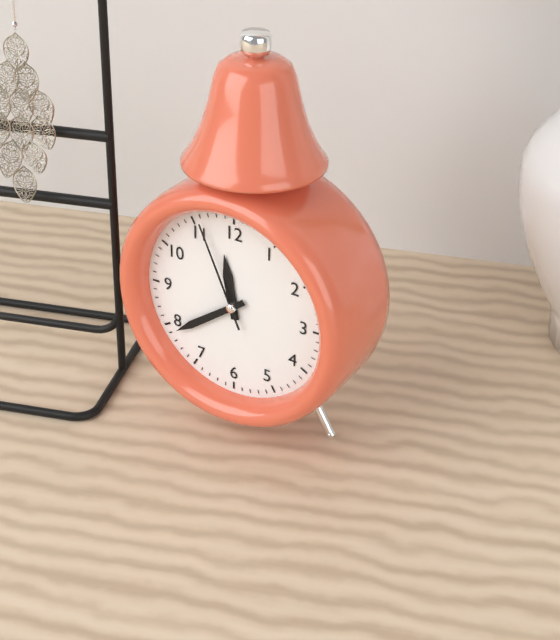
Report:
**11:39:56**
